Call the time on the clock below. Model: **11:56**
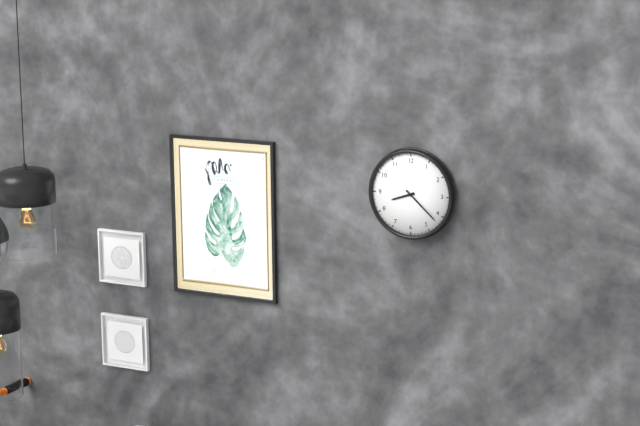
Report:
**8:22**
